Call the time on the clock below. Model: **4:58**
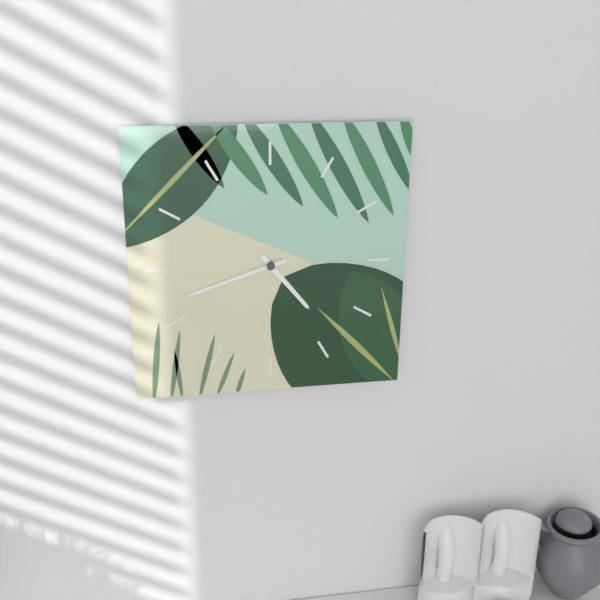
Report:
**4:42**
